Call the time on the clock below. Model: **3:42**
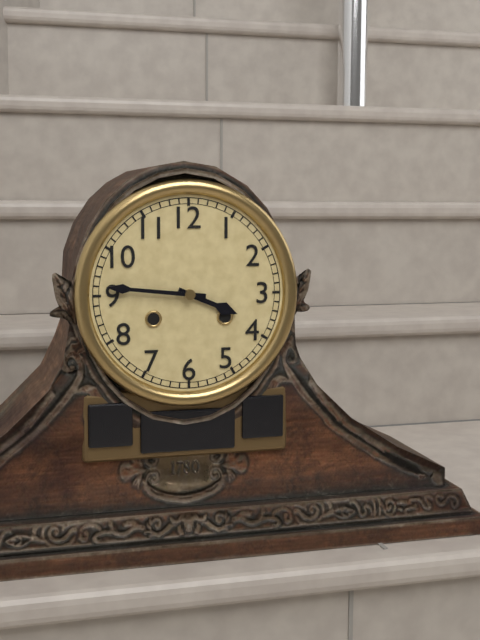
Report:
**3:46**
